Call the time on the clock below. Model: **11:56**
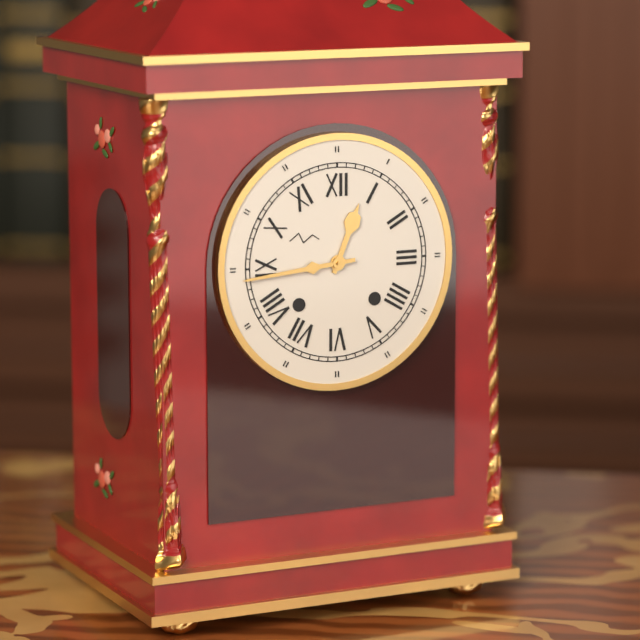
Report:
**12:44**
